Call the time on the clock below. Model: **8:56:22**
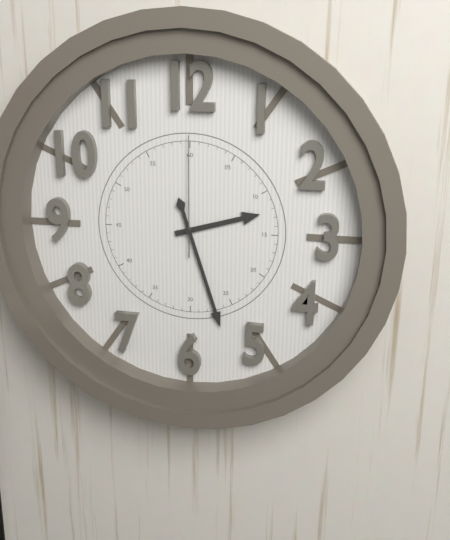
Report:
**2:27:00**
